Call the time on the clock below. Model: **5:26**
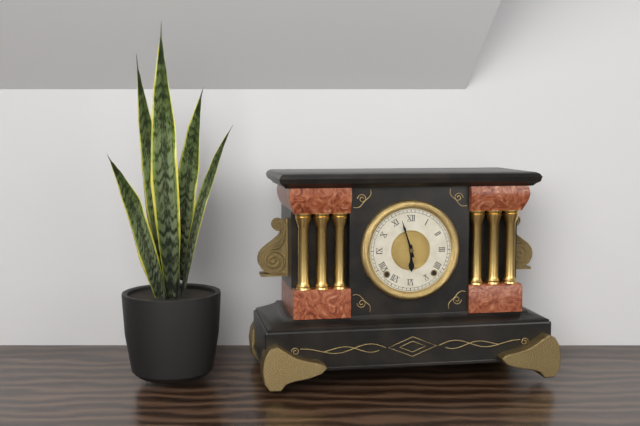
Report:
**5:57**
